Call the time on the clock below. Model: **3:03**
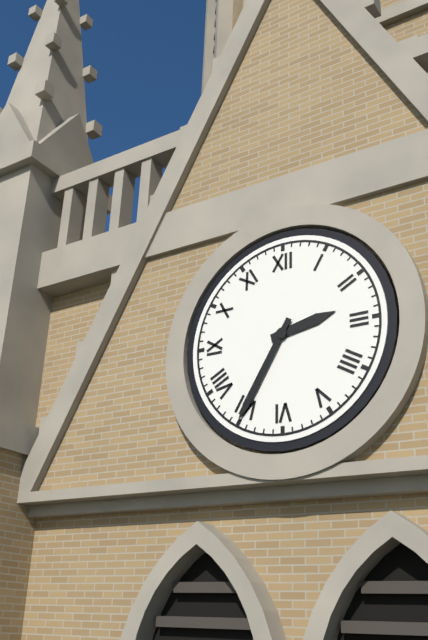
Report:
**2:35**
